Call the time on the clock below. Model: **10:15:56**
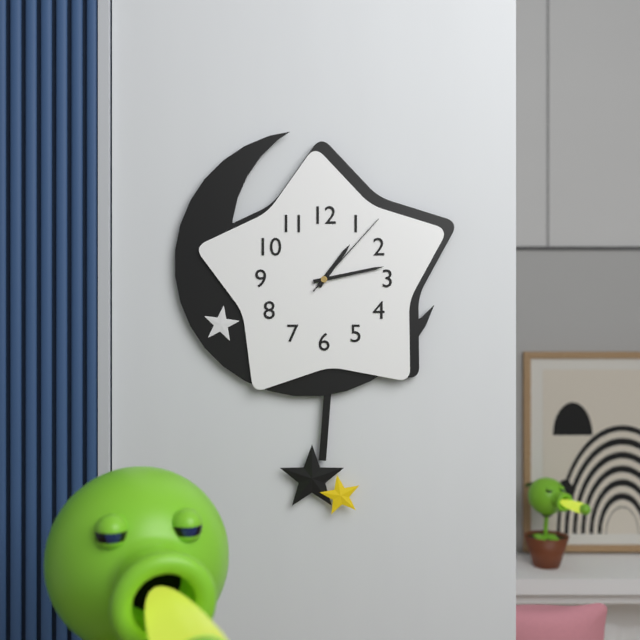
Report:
**1:13:07**
